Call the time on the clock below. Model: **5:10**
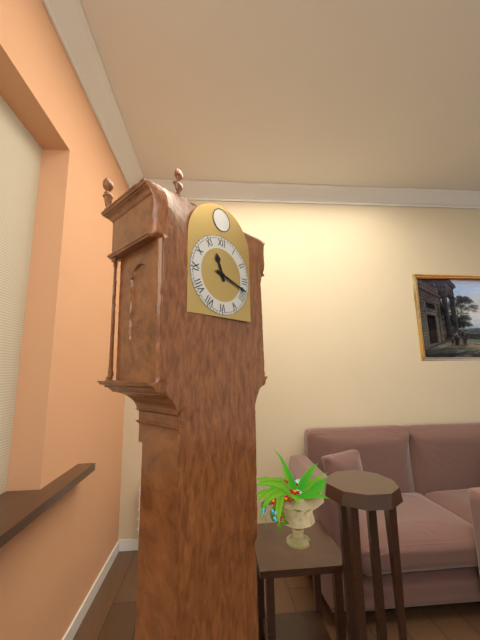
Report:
**11:18**
